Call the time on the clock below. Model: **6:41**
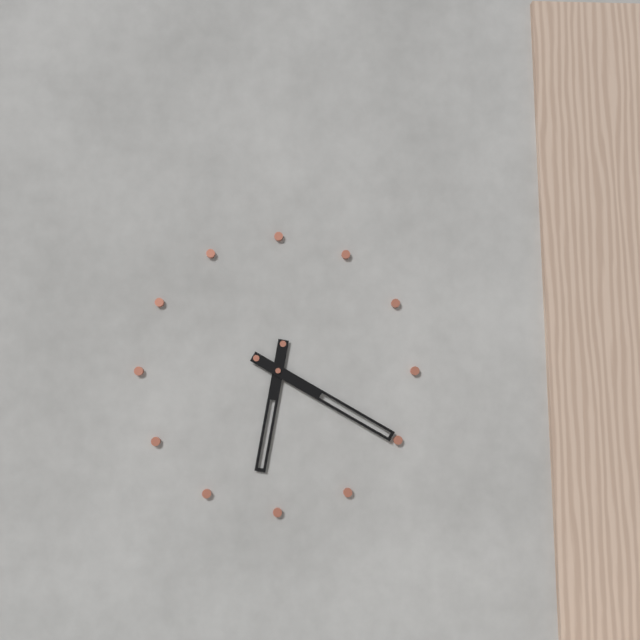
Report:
**6:20**
